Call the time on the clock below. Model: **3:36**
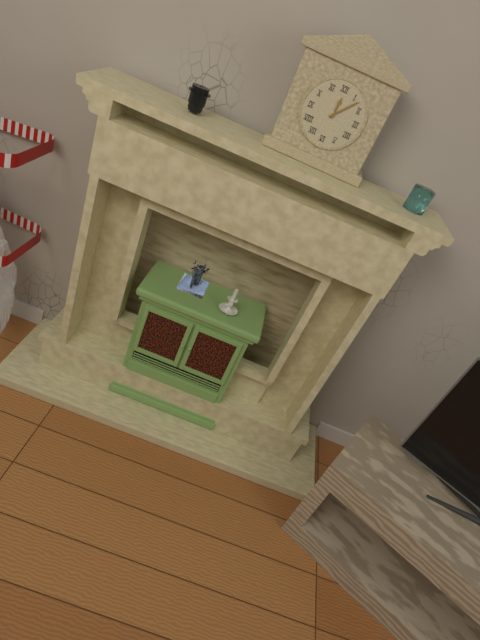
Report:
**12:07**
